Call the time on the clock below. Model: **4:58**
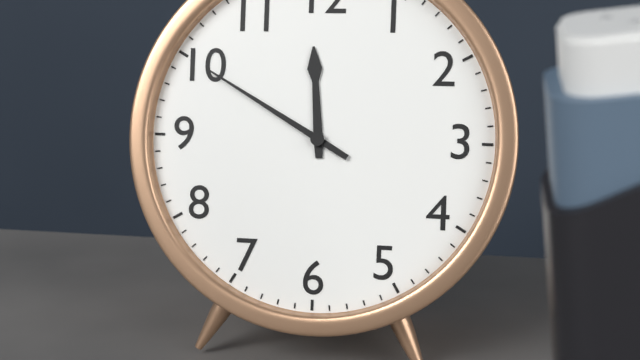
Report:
**11:50**
